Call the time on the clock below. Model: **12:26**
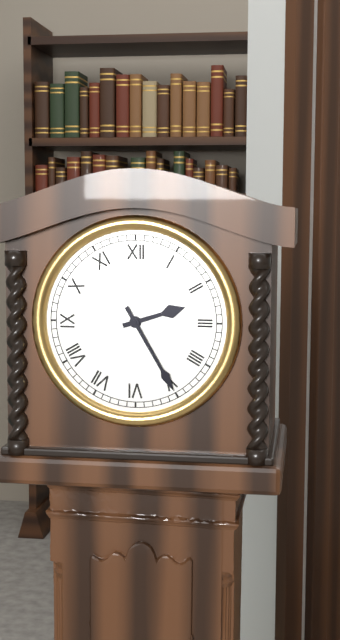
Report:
**2:25**
